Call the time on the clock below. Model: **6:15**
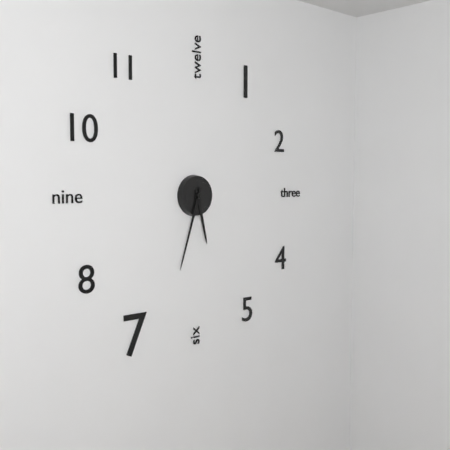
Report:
**5:33**
